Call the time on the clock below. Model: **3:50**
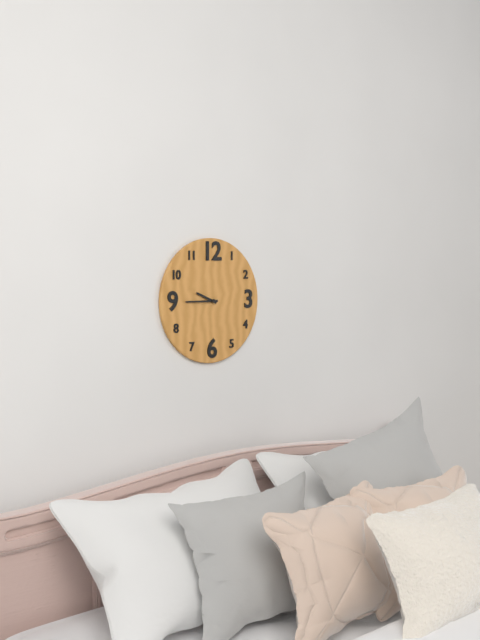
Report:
**9:45**
